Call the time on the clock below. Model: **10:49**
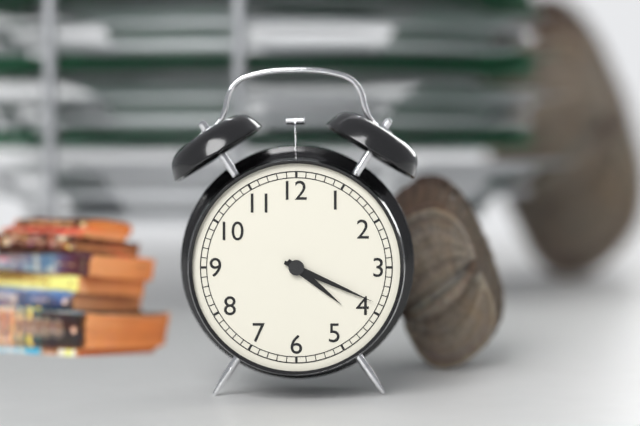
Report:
**4:19**
